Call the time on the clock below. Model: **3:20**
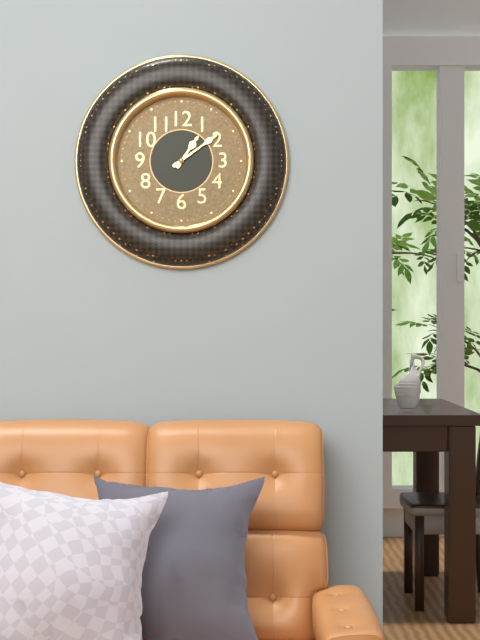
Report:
**1:09**
